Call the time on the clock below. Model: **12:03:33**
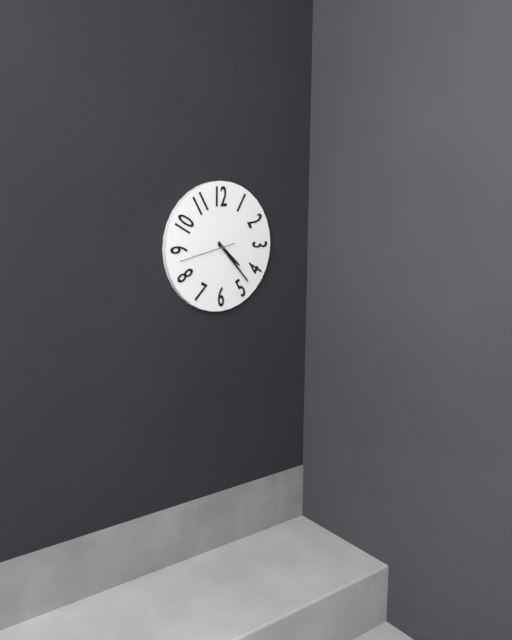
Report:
**4:23:43**
